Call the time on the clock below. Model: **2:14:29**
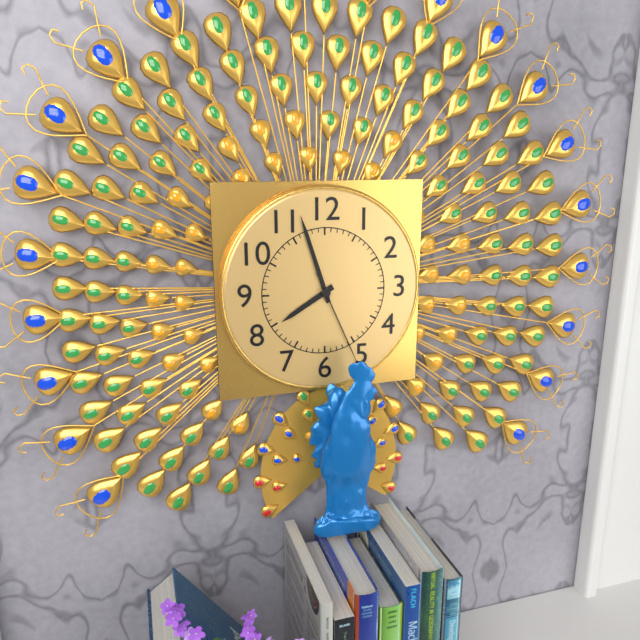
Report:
**7:57:26**
